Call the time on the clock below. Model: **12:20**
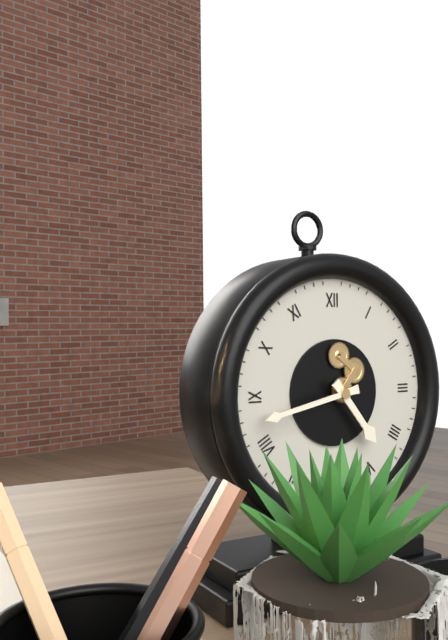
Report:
**4:43**
